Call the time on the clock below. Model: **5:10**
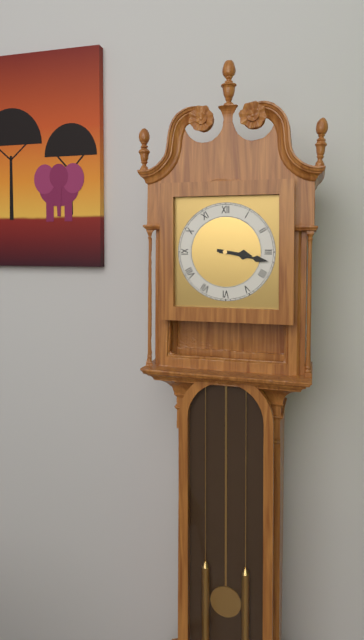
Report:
**3:17**
